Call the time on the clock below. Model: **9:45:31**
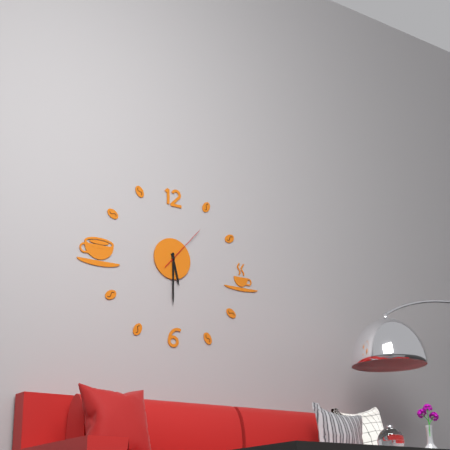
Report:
**5:30:07**
